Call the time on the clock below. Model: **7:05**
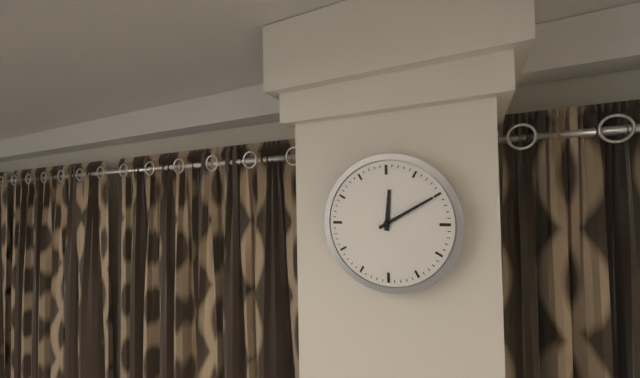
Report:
**12:10**
